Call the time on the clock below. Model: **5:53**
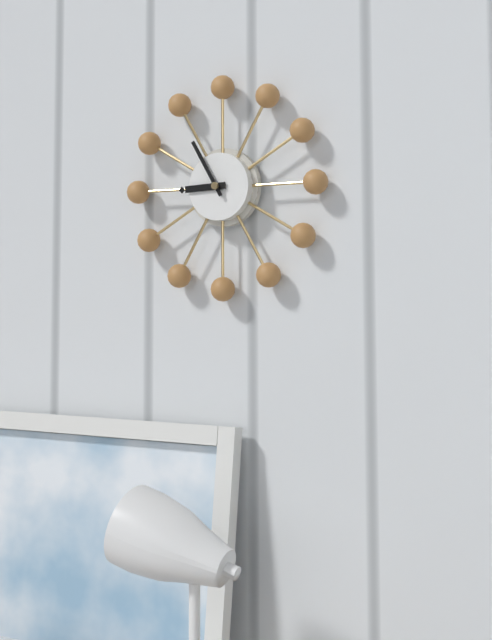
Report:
**8:55**
